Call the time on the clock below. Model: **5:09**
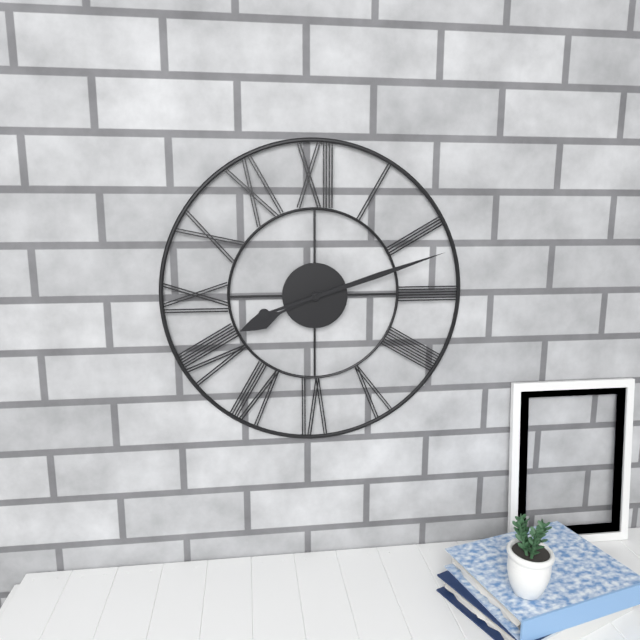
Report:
**8:12**
